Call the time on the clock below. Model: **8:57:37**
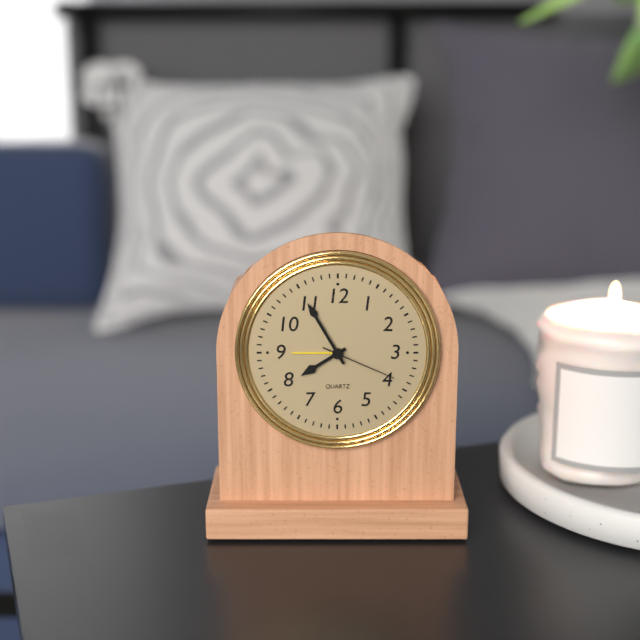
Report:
**7:55:19**
